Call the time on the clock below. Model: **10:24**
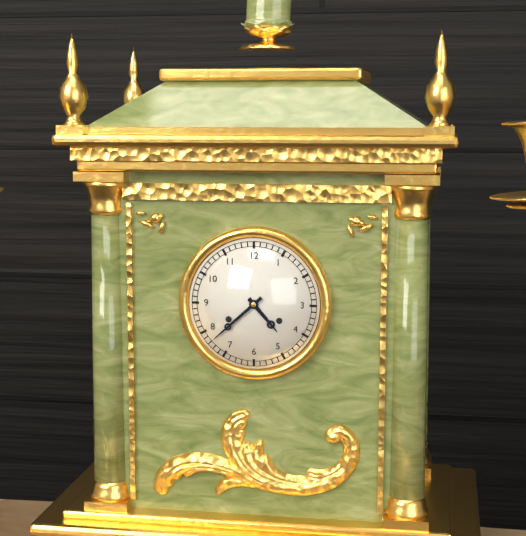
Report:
**4:38**
